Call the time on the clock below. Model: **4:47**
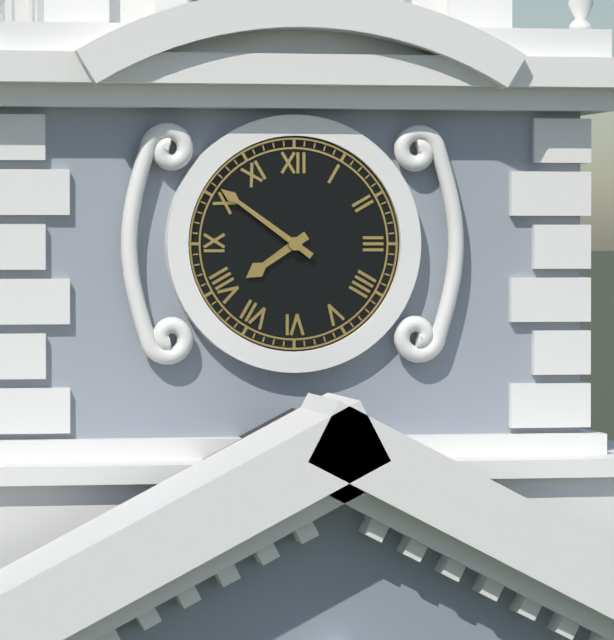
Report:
**7:51**
